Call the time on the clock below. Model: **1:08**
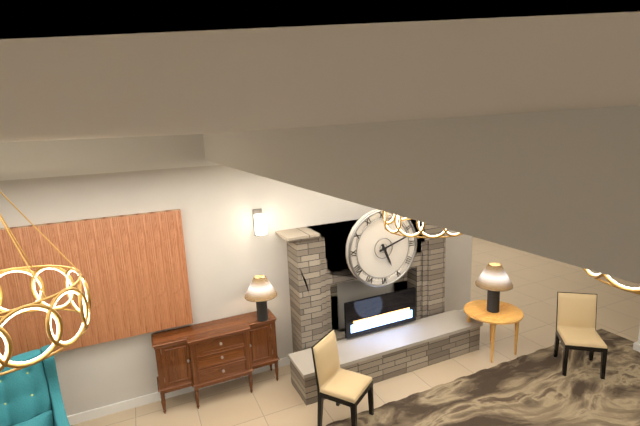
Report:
**5:12**
